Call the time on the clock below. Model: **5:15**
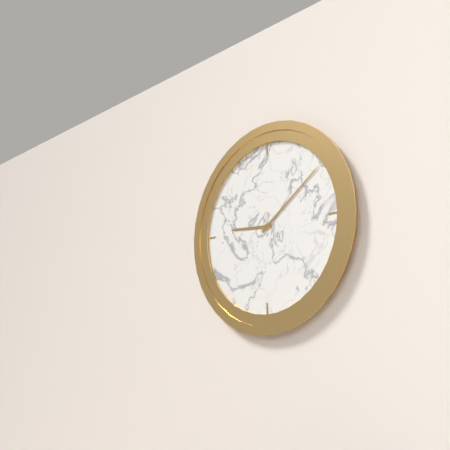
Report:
**9:09**
